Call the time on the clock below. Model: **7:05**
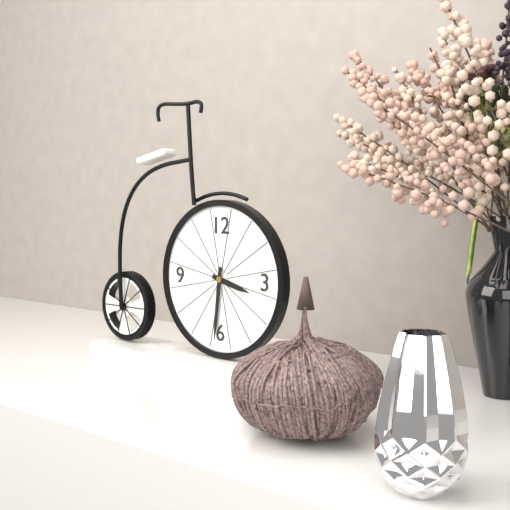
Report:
**3:31**
